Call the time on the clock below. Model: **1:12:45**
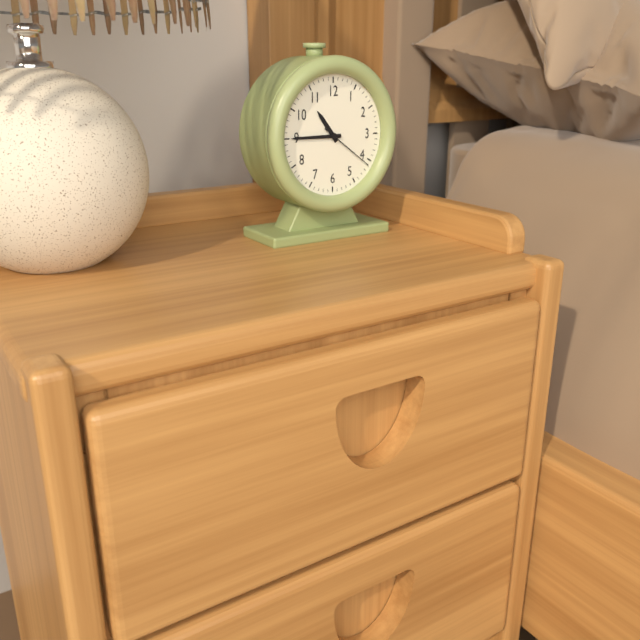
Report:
**10:45:21**
